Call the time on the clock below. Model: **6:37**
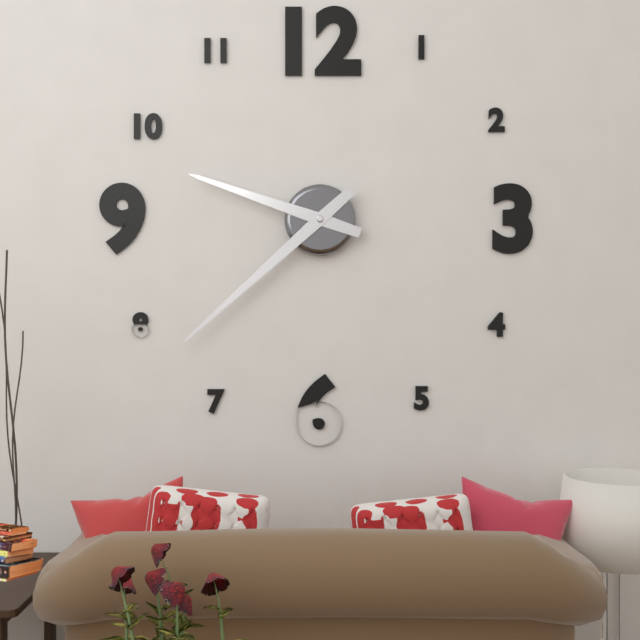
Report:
**9:38**
